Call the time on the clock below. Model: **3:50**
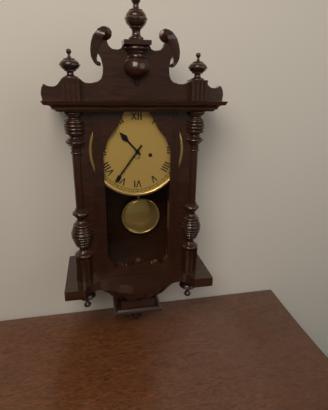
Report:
**10:36**
